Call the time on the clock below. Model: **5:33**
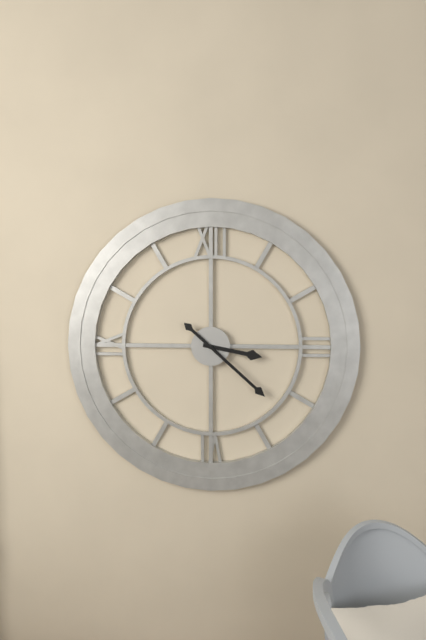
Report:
**3:22**
